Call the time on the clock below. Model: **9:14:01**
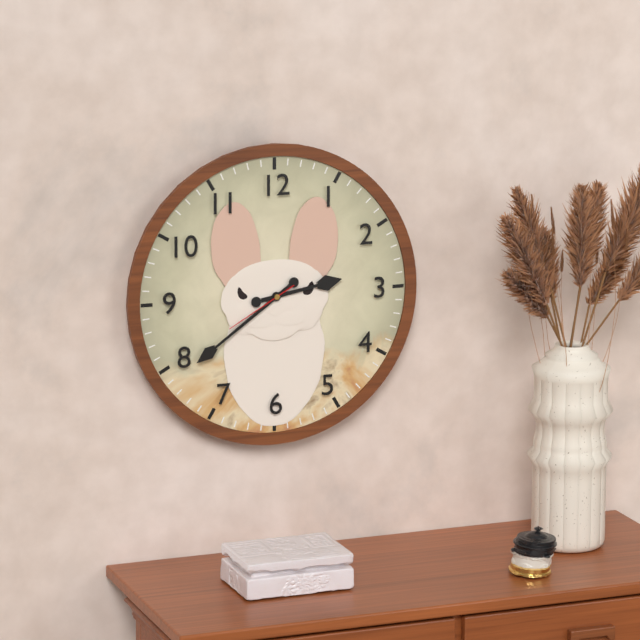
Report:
**2:39:40**
